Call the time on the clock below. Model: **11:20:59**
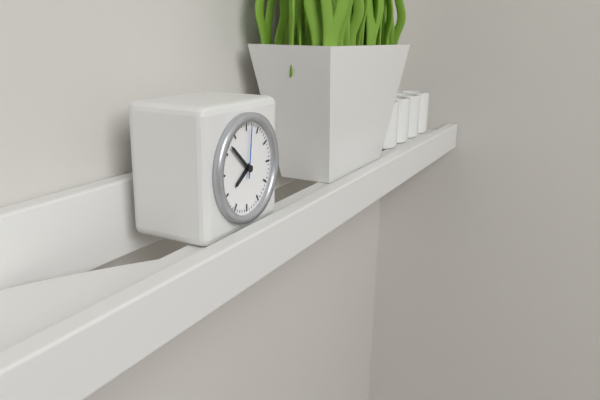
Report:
**7:52:01**
